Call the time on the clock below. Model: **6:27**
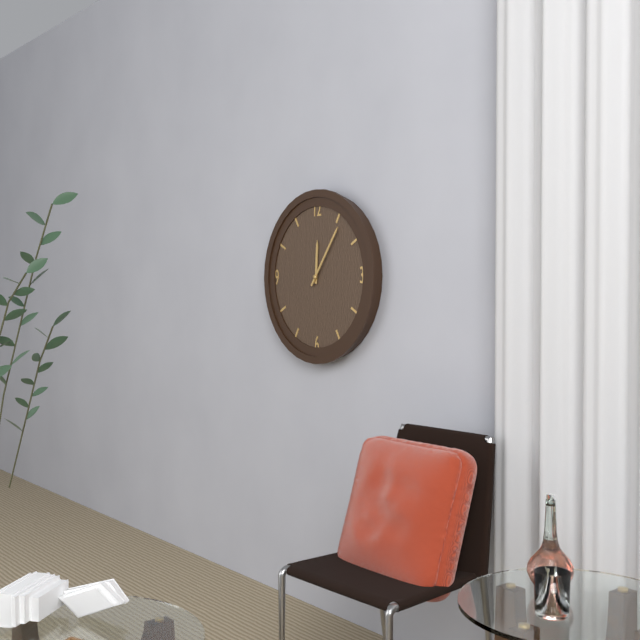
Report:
**12:06**
